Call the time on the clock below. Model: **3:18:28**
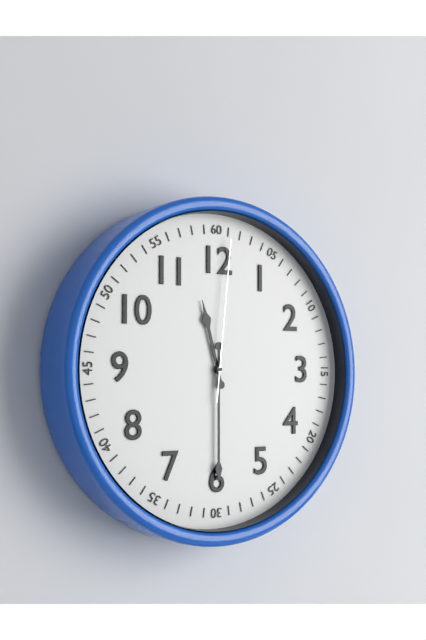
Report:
**11:30:01**
